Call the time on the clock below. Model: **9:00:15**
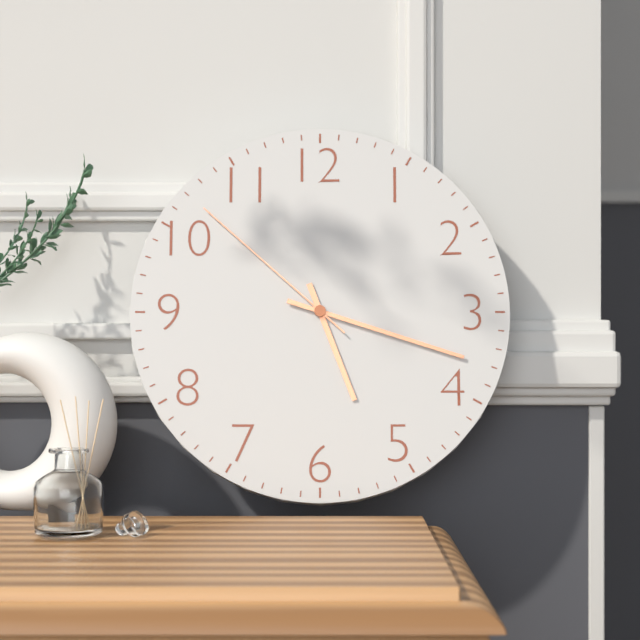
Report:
**5:18:52**
